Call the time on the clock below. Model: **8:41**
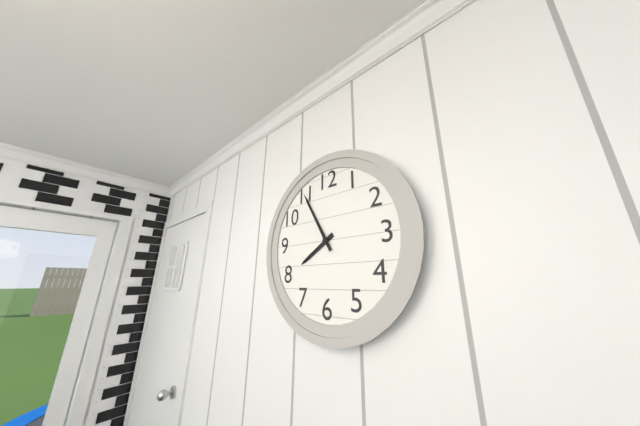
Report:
**7:55**
